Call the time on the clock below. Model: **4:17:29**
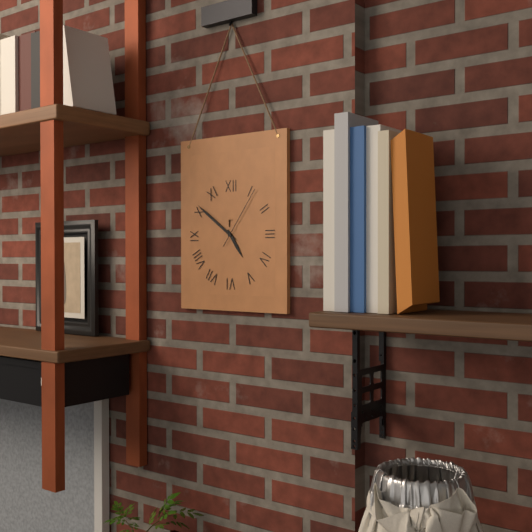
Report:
**4:51:06**
